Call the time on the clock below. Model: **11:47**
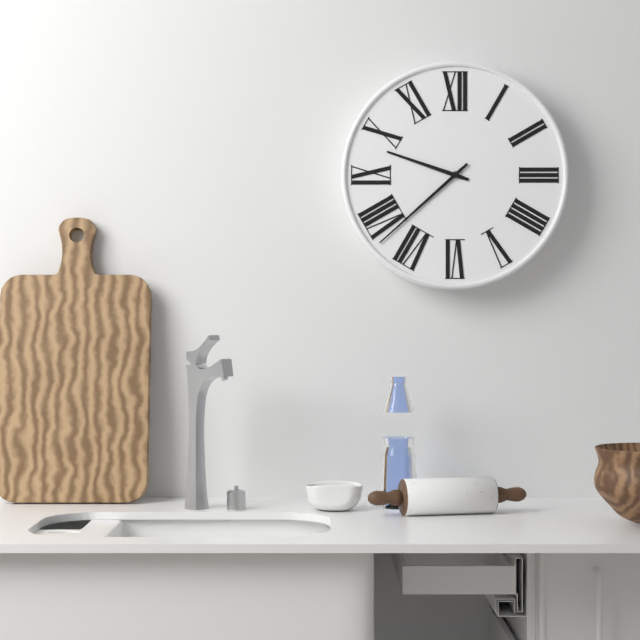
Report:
**9:38**
